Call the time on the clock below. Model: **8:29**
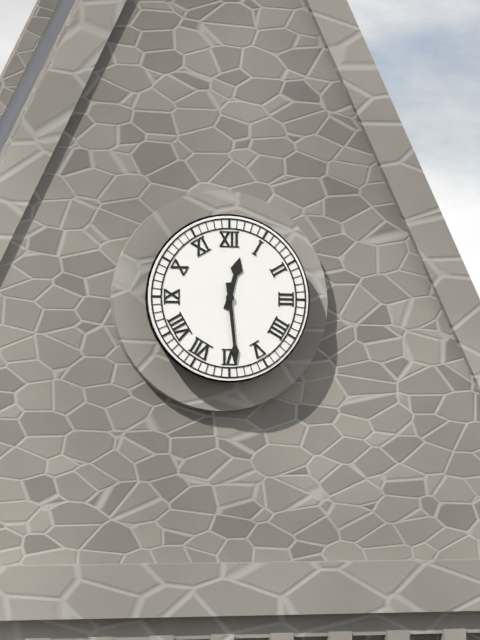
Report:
**12:29**
